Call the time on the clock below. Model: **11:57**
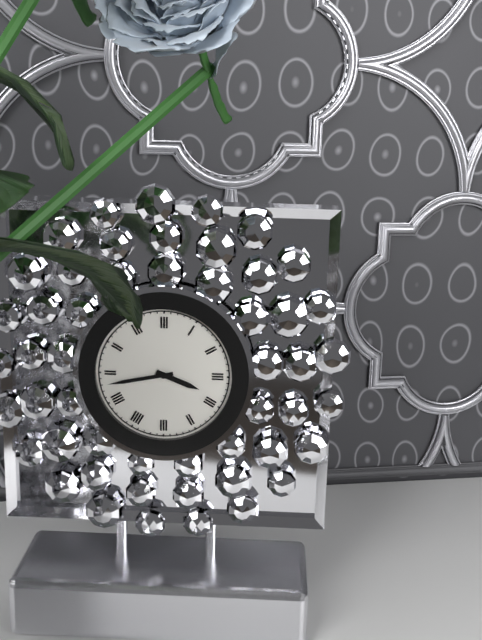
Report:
**3:43**
